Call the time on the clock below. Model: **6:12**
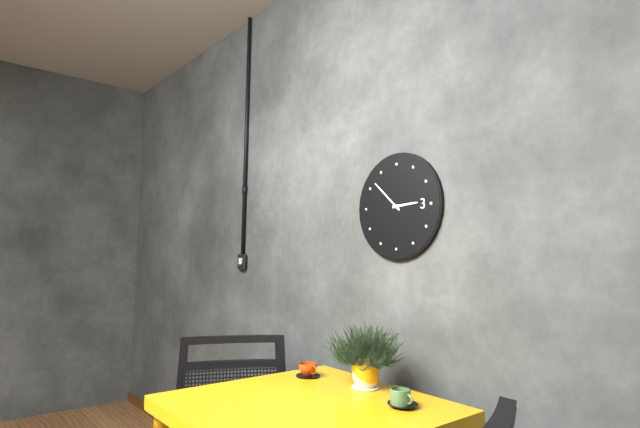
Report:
**2:52**
